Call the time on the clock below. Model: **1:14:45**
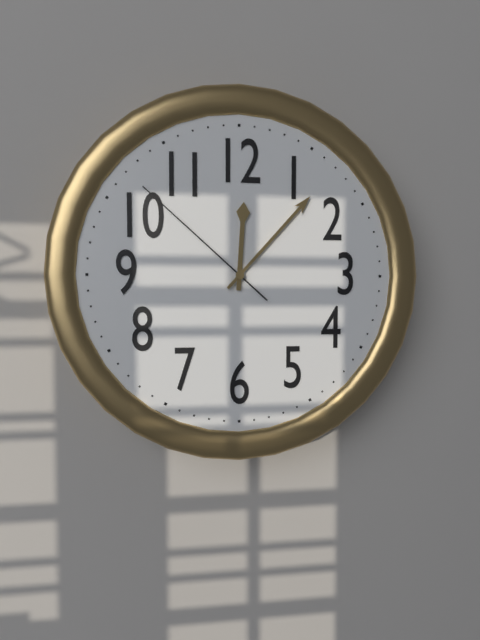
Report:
**12:07:52**
